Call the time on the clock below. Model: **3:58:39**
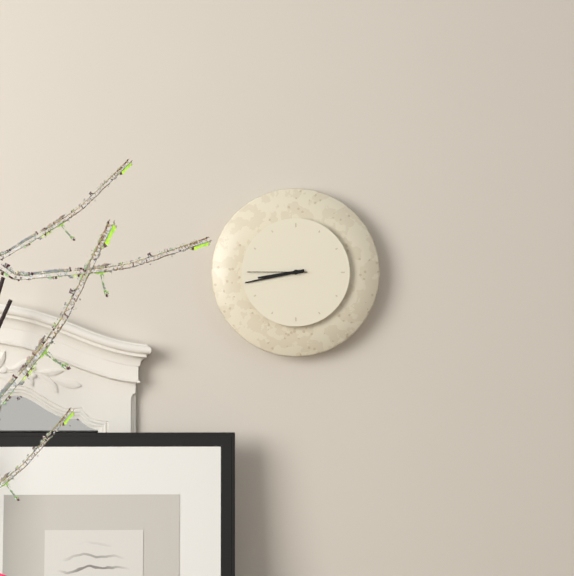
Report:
**8:43:45**
